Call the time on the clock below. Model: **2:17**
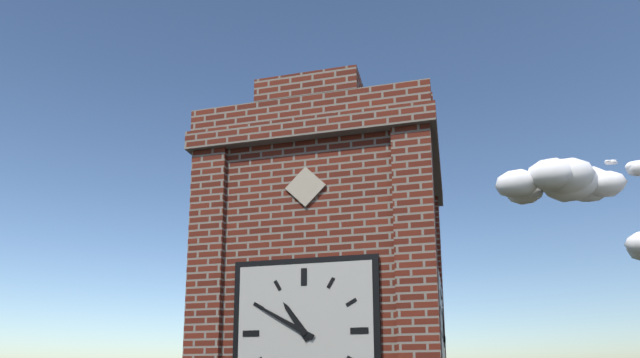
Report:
**10:50**
